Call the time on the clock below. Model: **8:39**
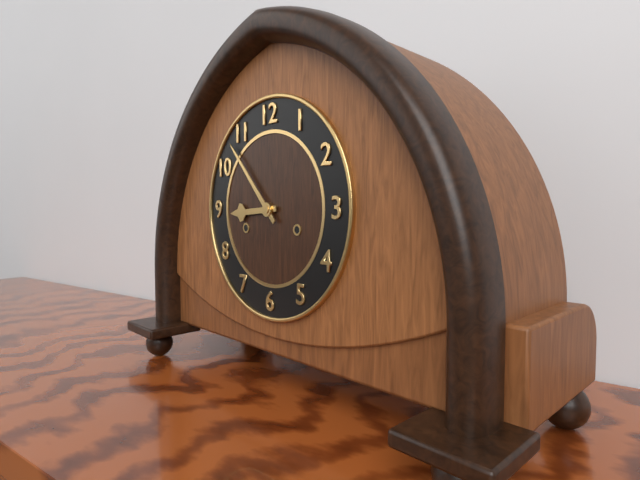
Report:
**8:53**
